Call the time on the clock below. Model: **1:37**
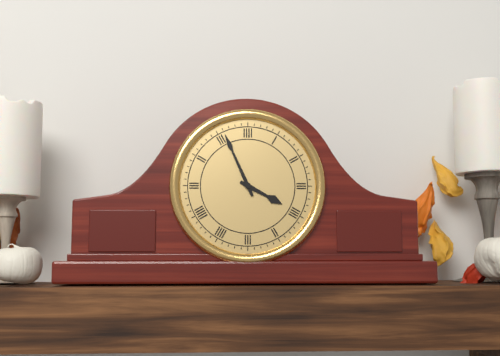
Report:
**3:56**
